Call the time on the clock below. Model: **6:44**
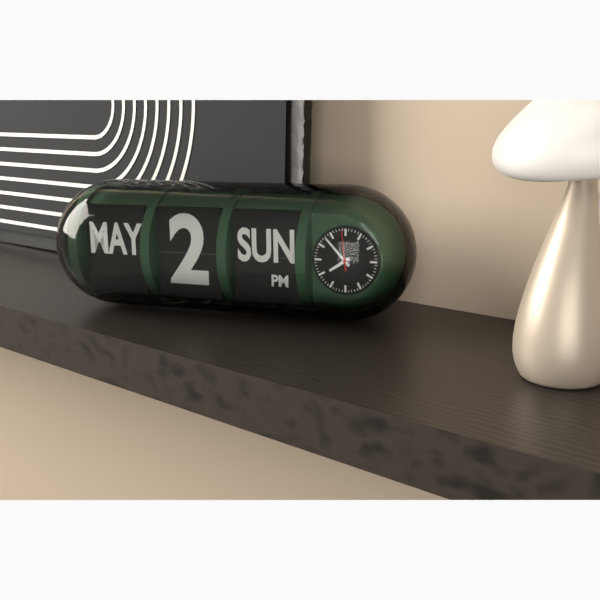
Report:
**7:53**
